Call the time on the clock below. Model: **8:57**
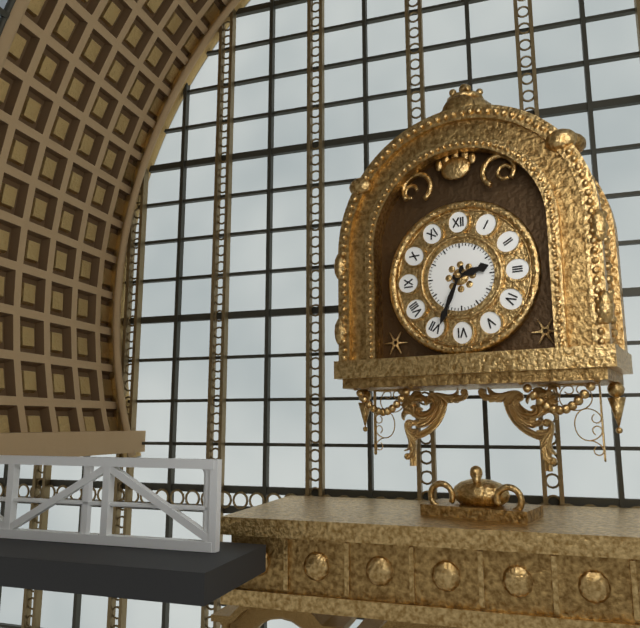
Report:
**2:34**
